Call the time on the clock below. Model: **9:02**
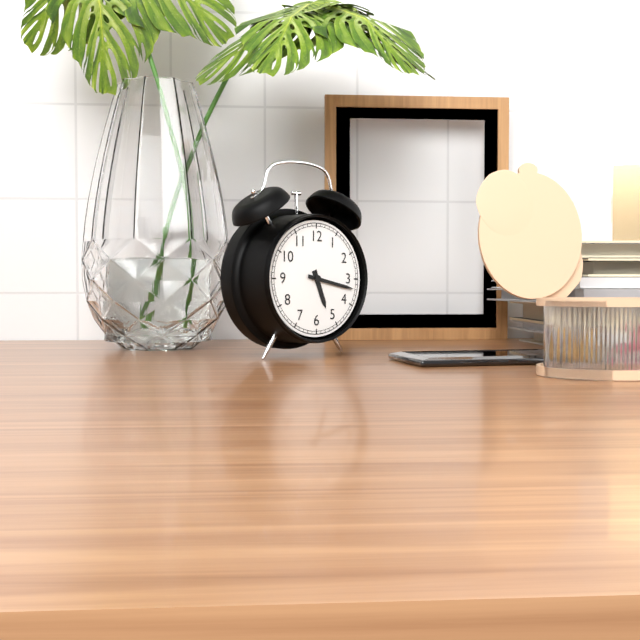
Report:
**5:17**
